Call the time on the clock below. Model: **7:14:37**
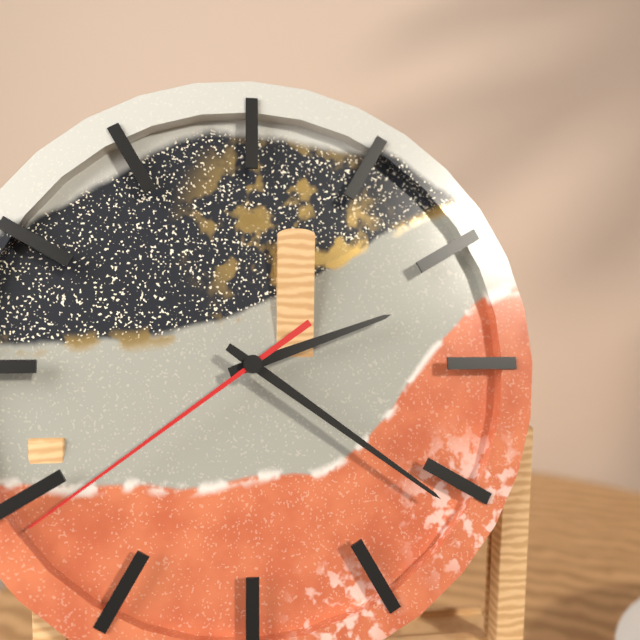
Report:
**2:21:39**
